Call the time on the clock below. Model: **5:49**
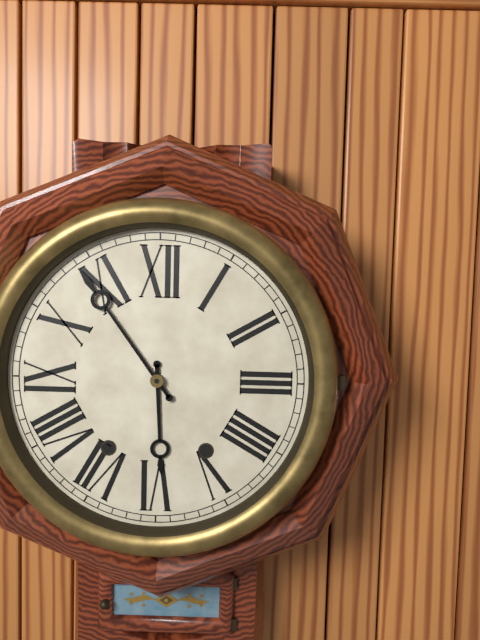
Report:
**5:54**
